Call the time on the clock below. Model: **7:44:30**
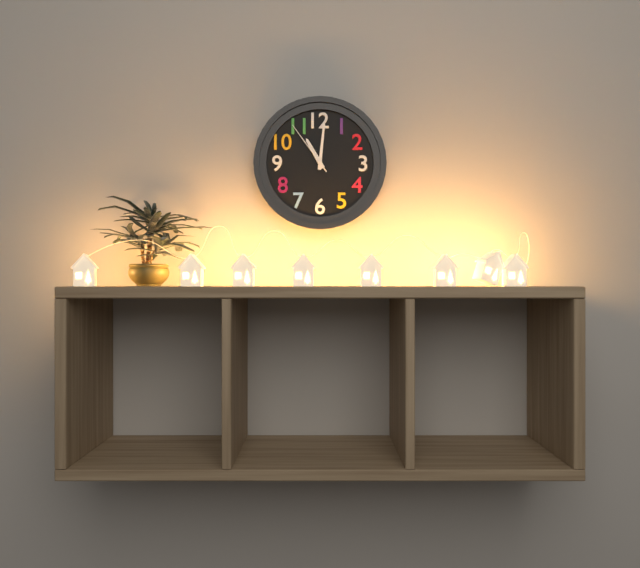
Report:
**11:01:54**
